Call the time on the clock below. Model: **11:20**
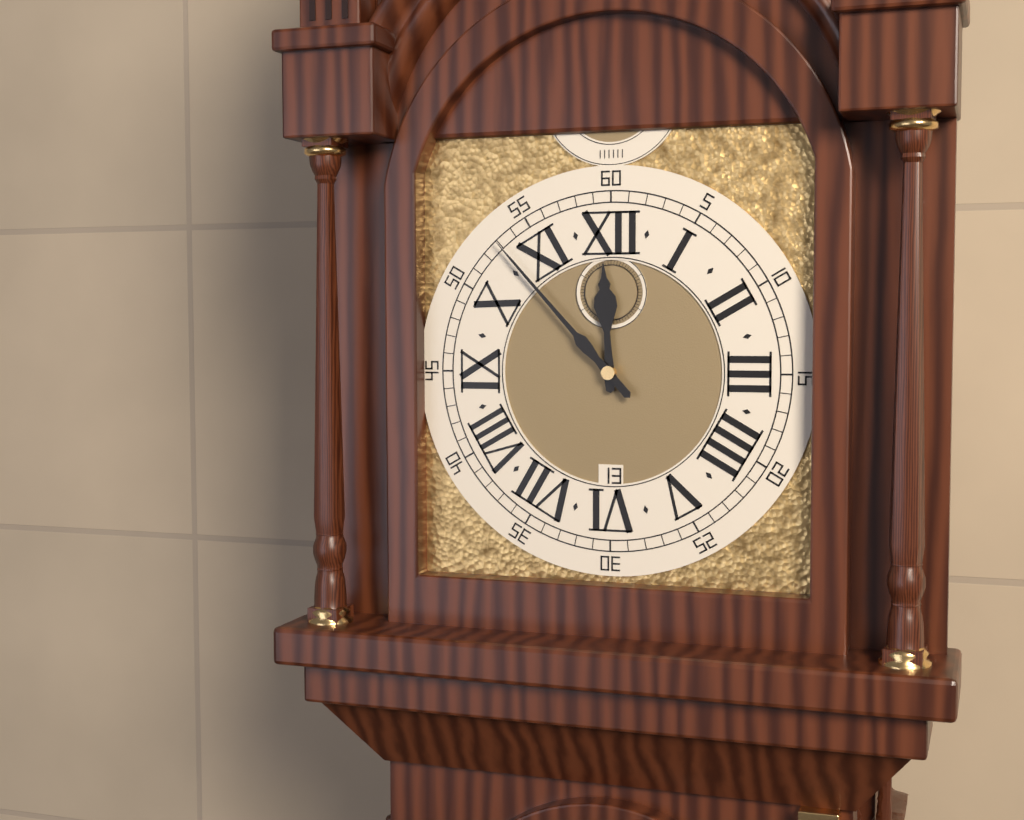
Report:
**11:53**
